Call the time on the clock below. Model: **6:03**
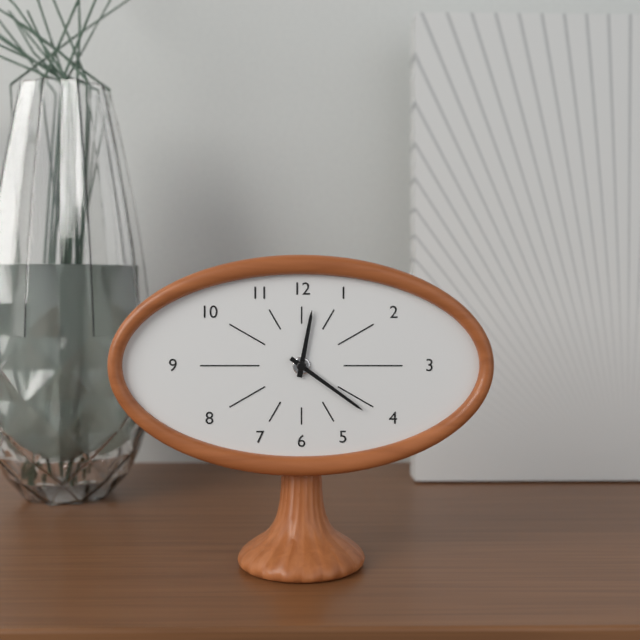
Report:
**12:21**
